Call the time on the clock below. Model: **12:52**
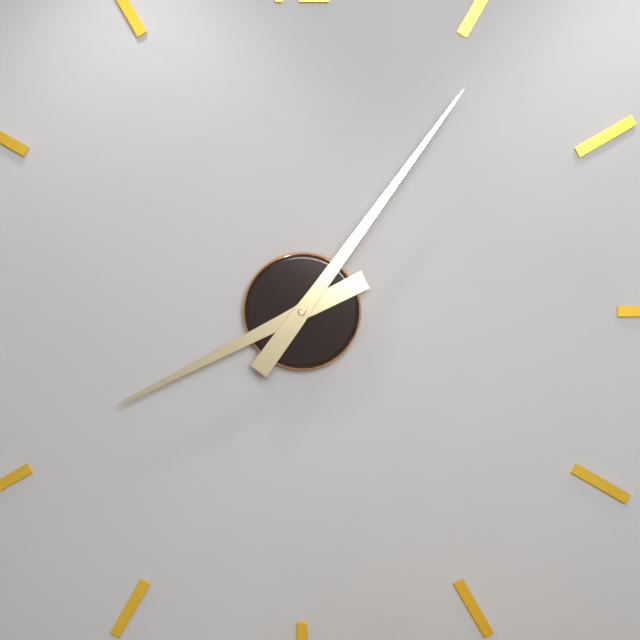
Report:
**8:06**
